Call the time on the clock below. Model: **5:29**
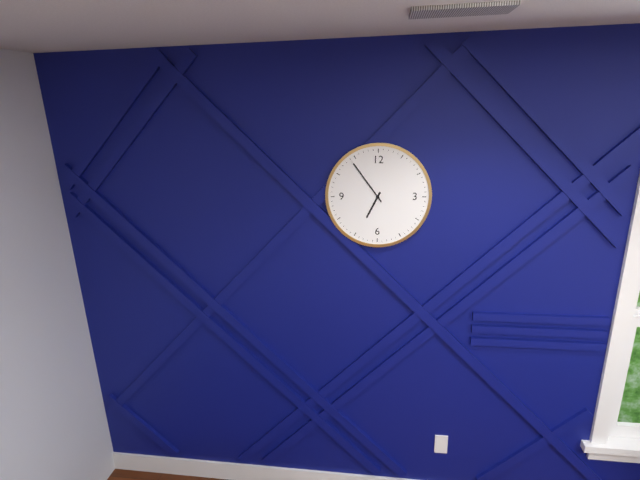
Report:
**6:54**
